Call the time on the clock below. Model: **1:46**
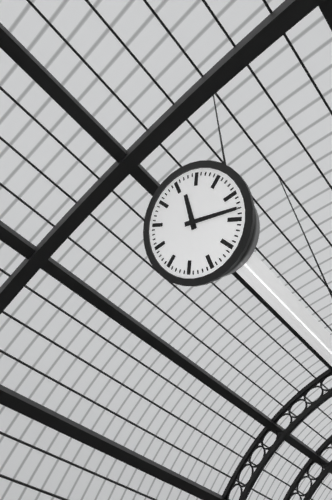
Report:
**12:18**
